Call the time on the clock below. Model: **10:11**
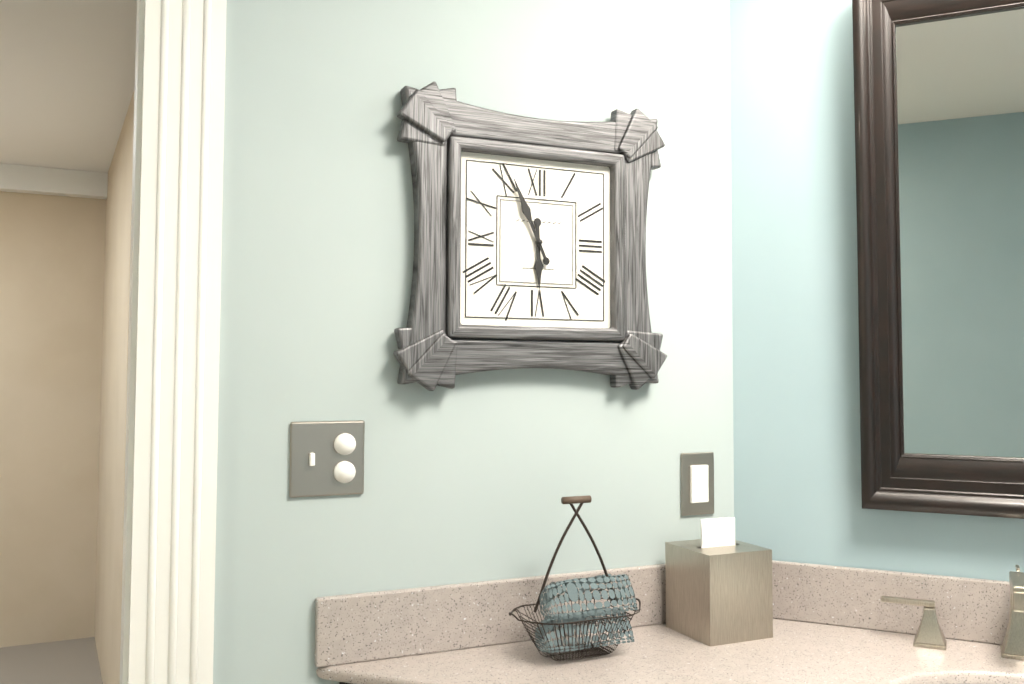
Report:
**5:56**
